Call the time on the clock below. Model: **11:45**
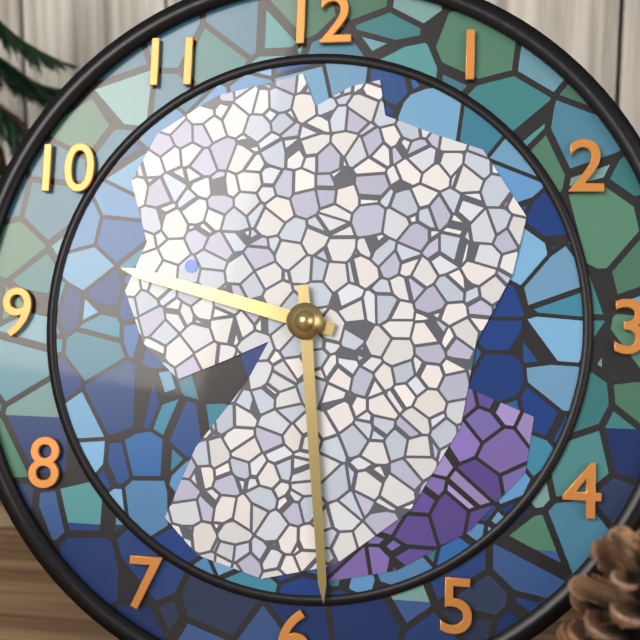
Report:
**9:29**
